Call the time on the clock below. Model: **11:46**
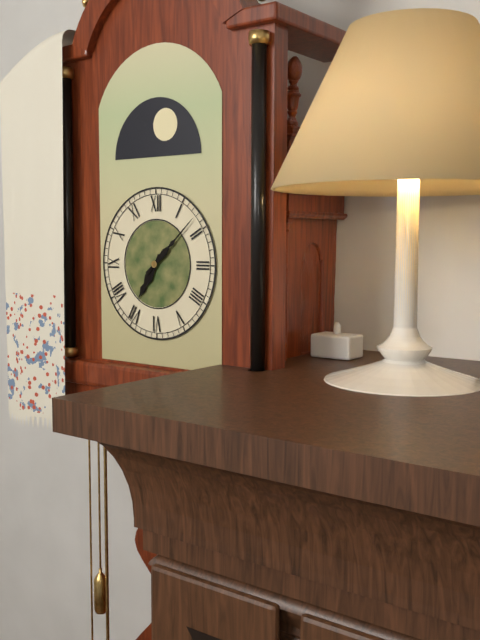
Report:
**7:08**
